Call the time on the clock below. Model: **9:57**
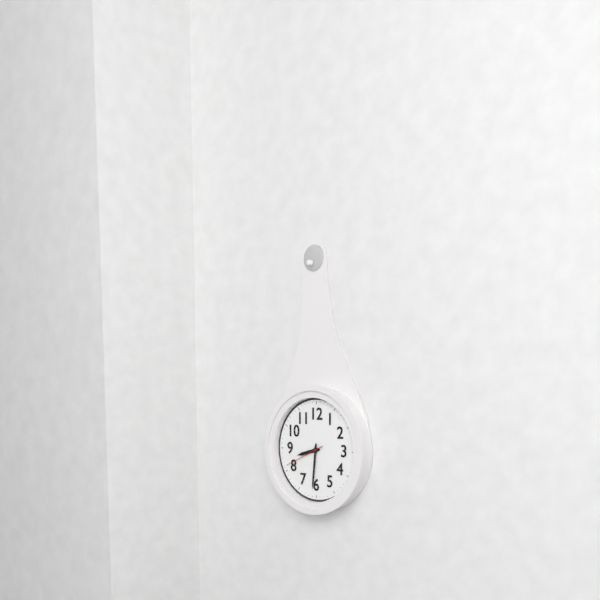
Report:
**8:31**
